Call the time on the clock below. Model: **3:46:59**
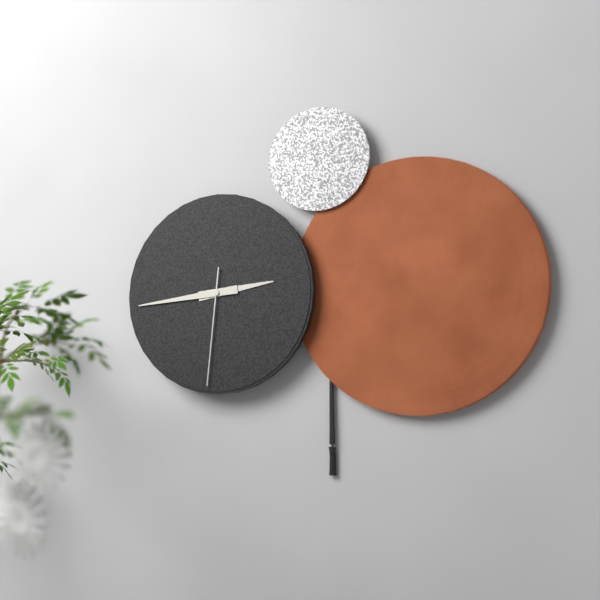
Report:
**2:44:31**
